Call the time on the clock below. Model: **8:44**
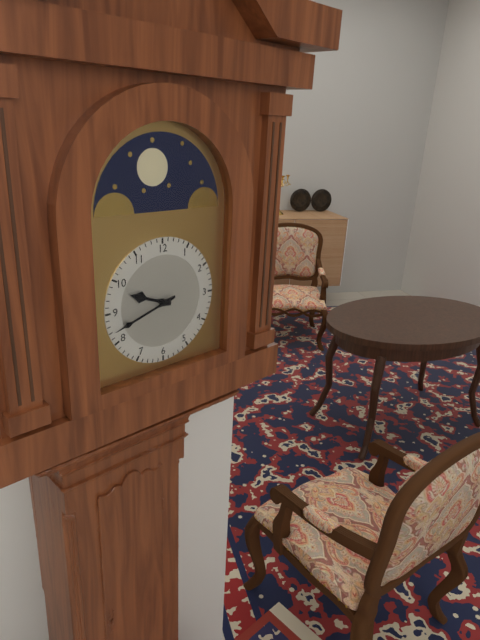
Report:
**9:42**
